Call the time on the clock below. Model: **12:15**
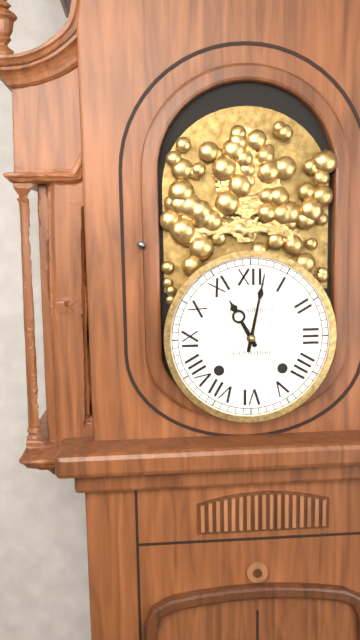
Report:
**11:02**
